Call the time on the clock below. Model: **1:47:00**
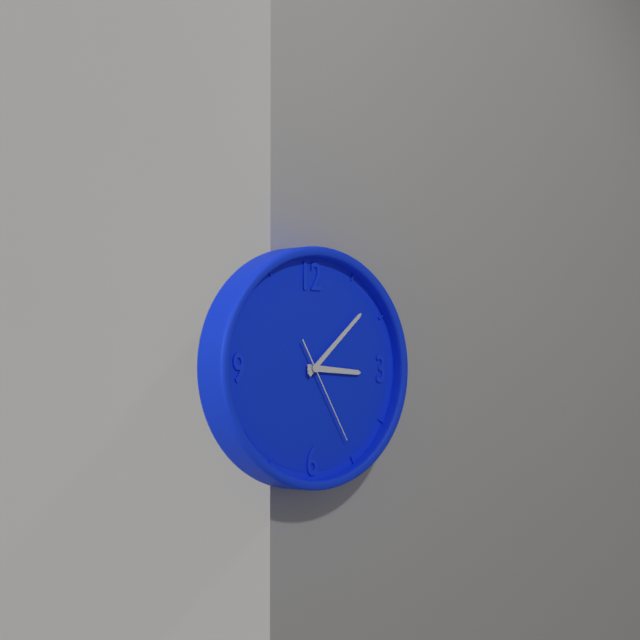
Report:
**3:08:25**
